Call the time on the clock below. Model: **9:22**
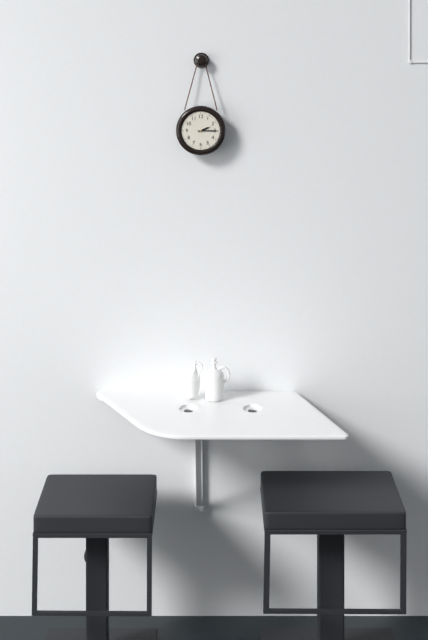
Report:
**2:15**
